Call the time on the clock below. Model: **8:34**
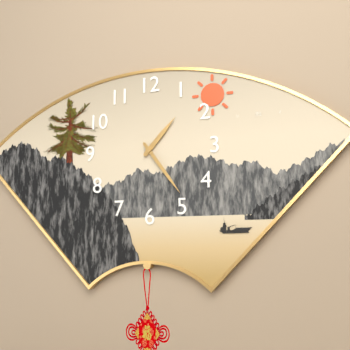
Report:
**1:24**
